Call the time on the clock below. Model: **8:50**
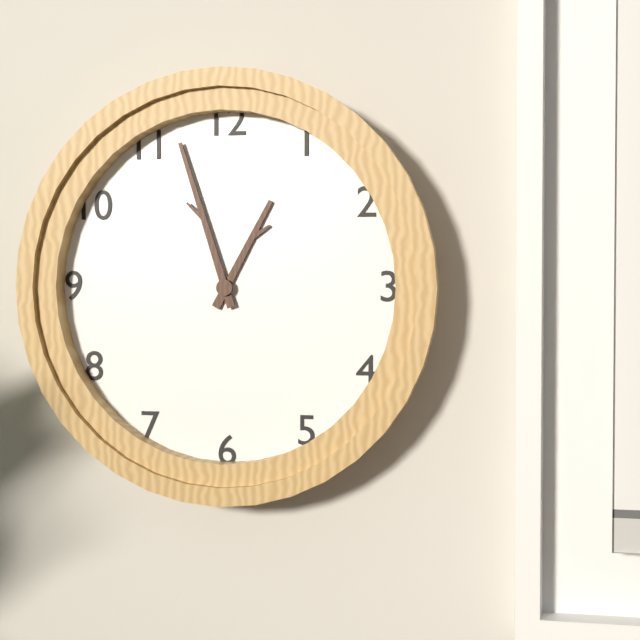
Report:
**12:57**
